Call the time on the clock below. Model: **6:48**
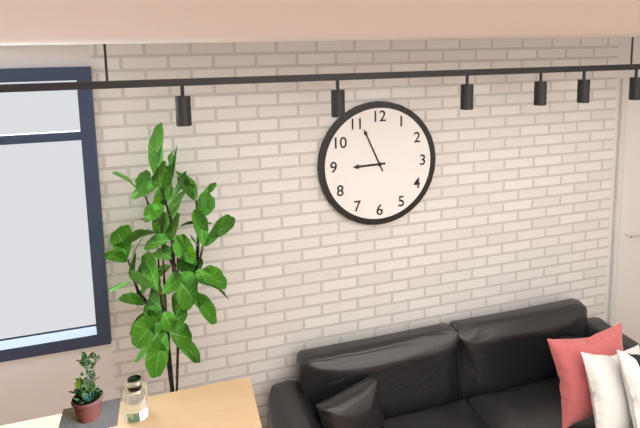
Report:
**8:56**
